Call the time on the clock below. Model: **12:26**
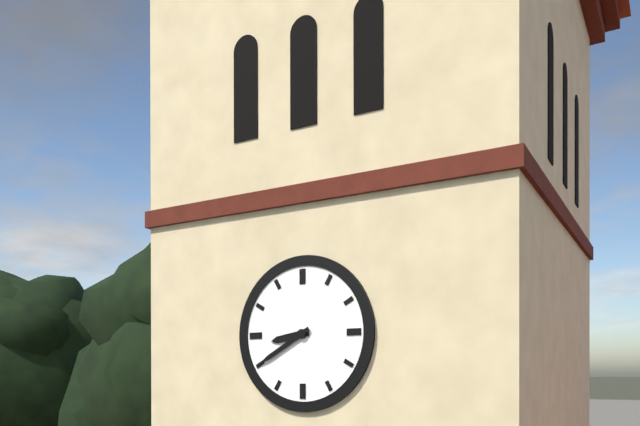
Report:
**8:40**
